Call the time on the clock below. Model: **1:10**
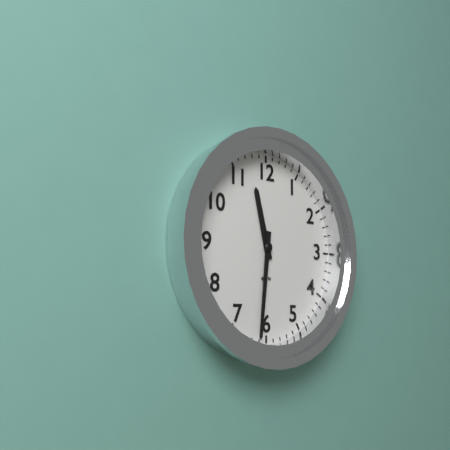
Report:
**11:31**
